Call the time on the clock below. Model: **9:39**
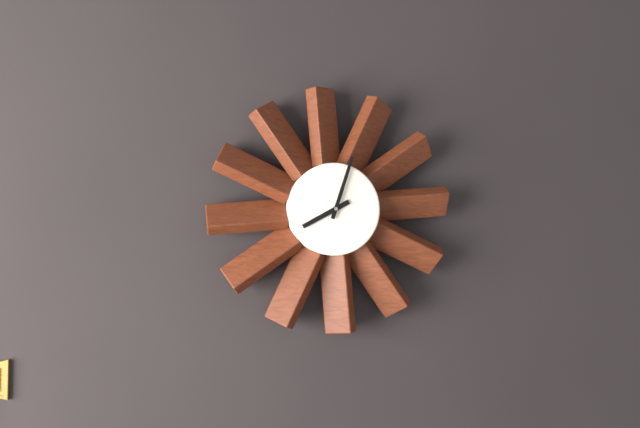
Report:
**8:03**
